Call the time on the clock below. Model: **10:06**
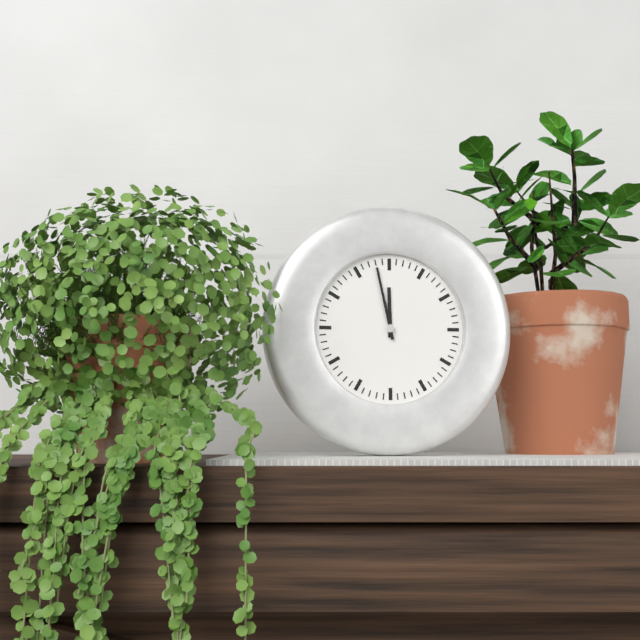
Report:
**11:58**
